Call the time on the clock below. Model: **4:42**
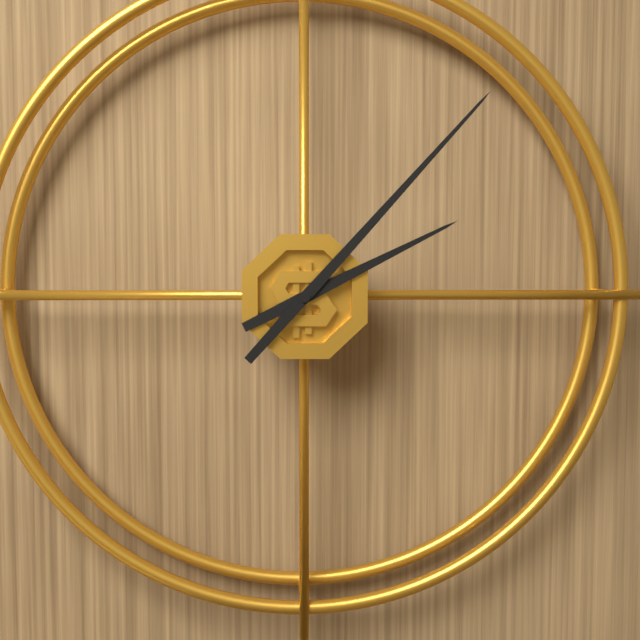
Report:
**2:07**
